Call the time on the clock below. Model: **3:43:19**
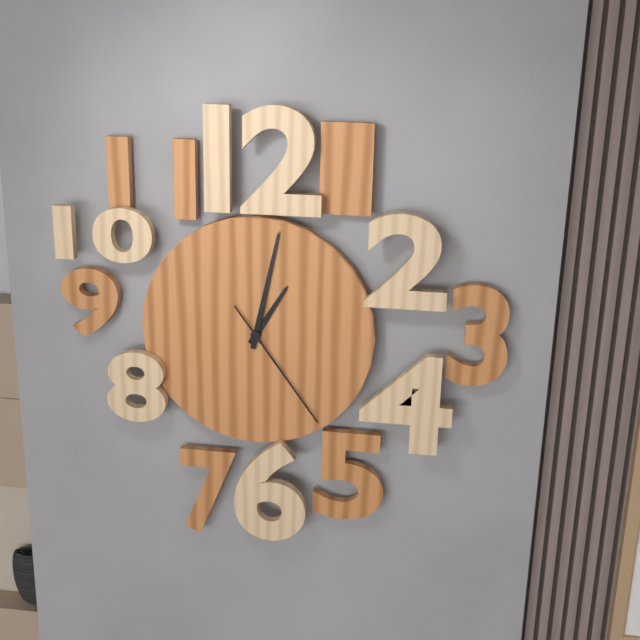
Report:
**1:02:24**
